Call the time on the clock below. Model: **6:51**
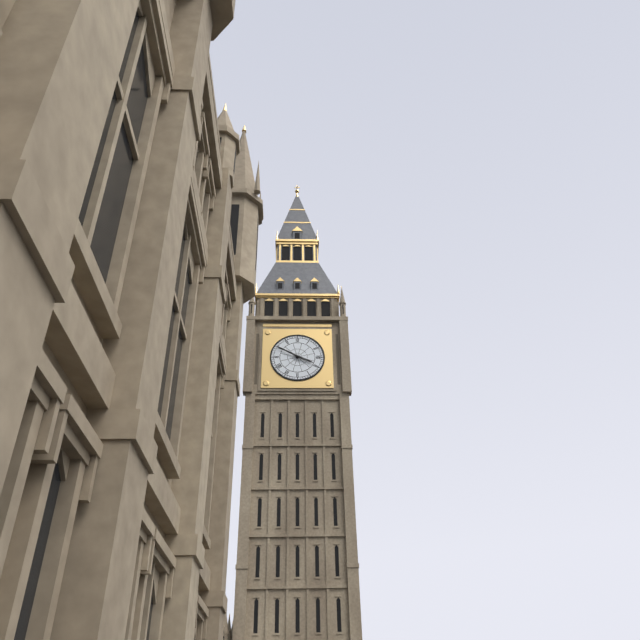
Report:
**3:50**
